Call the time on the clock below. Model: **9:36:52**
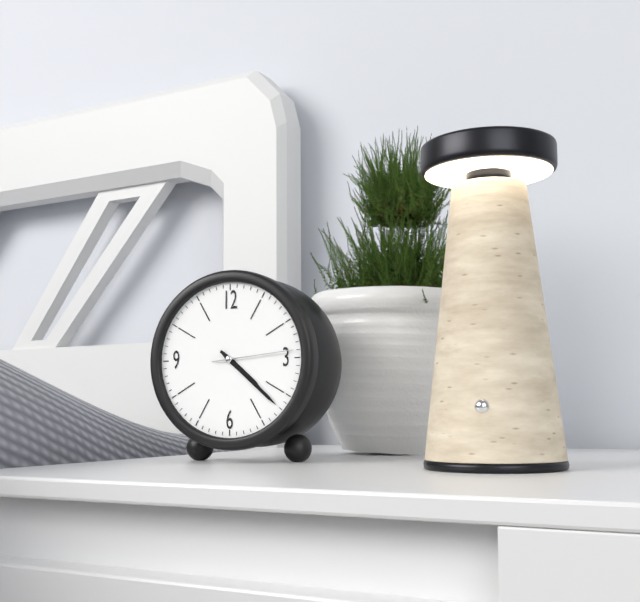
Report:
**4:22:14**
